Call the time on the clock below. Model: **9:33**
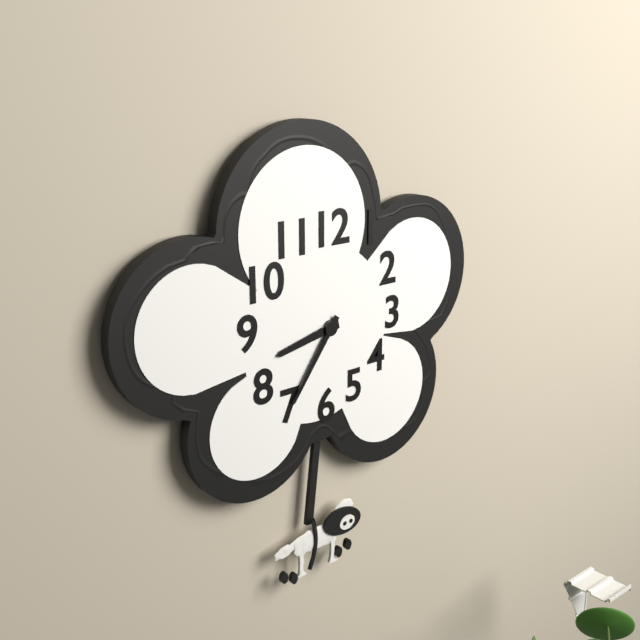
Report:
**8:36**
